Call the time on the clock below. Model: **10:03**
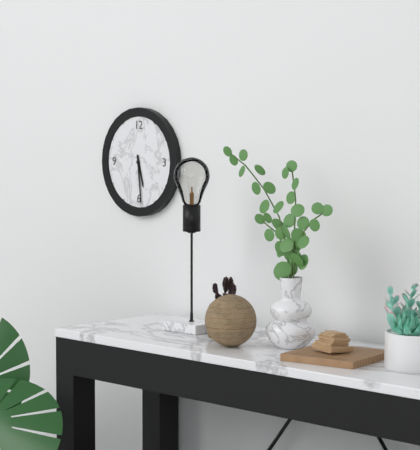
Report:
**5:29**
